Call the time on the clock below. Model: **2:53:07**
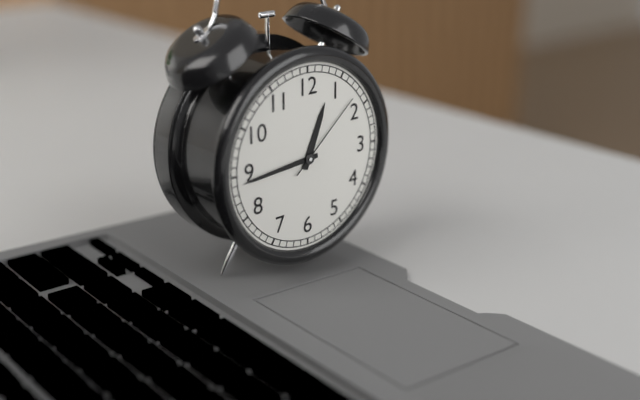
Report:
**12:44:08**
